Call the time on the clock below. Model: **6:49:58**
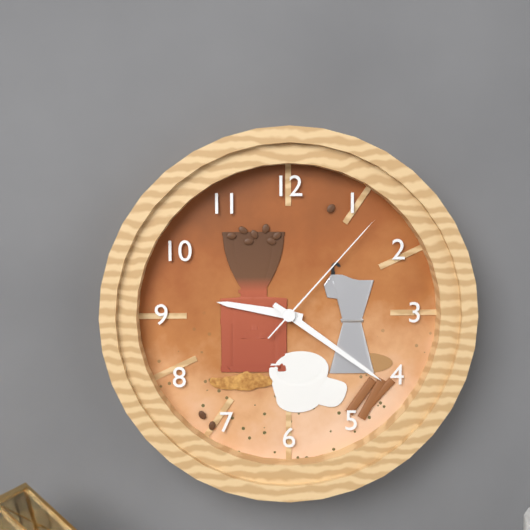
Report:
**9:21:07**
